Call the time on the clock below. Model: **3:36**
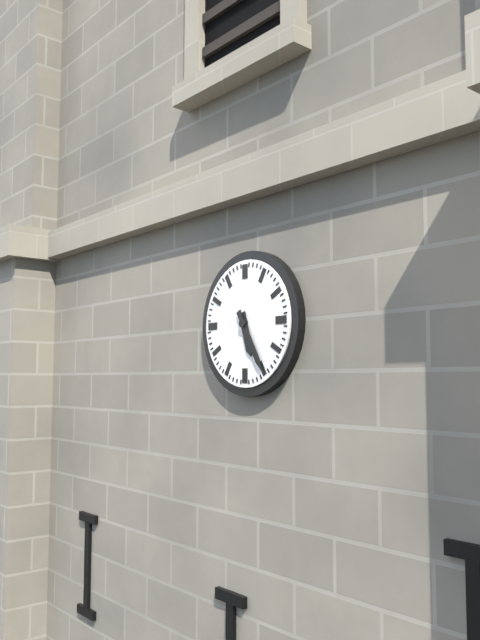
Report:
**5:25**
